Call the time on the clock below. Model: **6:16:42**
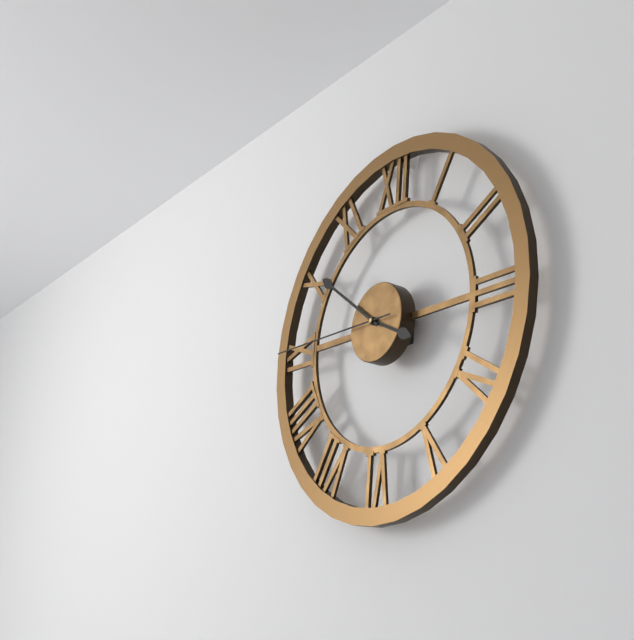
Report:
**3:51:45**
